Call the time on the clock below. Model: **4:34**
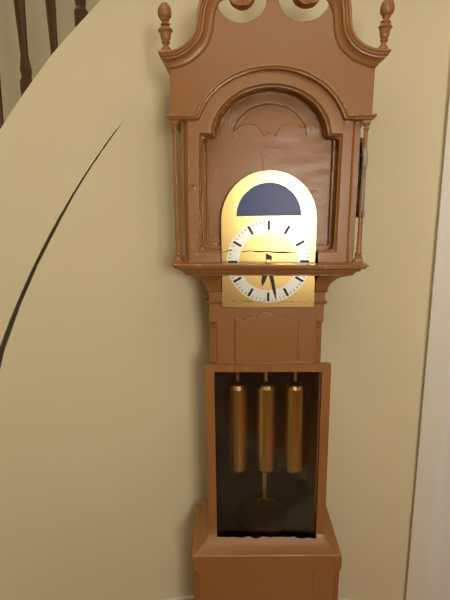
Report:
**6:28**
